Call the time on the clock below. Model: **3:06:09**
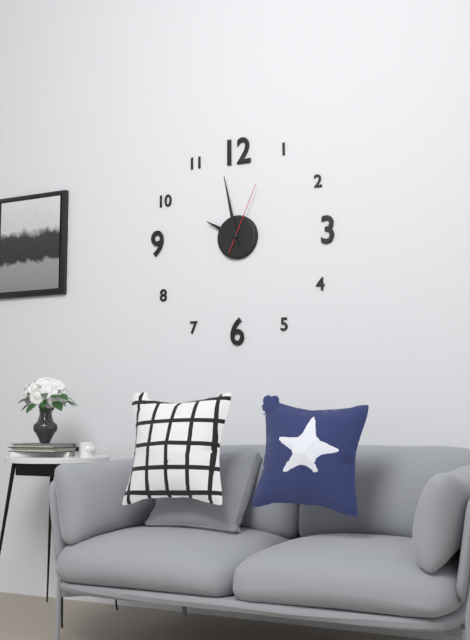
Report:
**9:58:04**
